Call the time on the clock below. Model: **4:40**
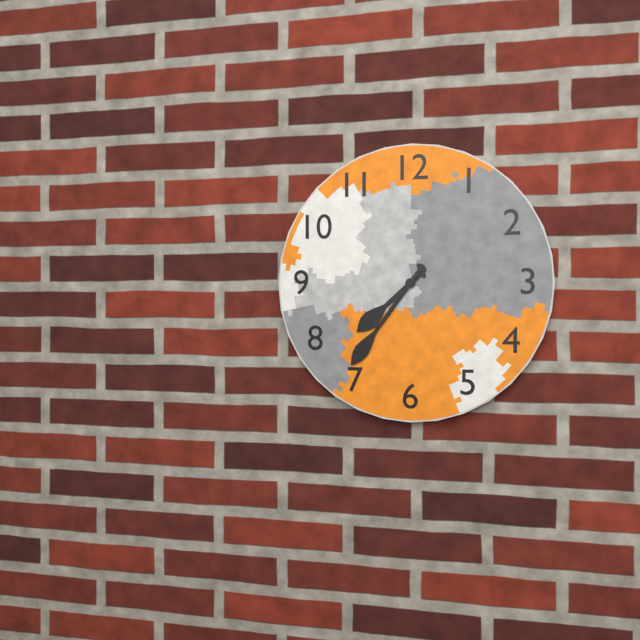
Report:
**7:36**
